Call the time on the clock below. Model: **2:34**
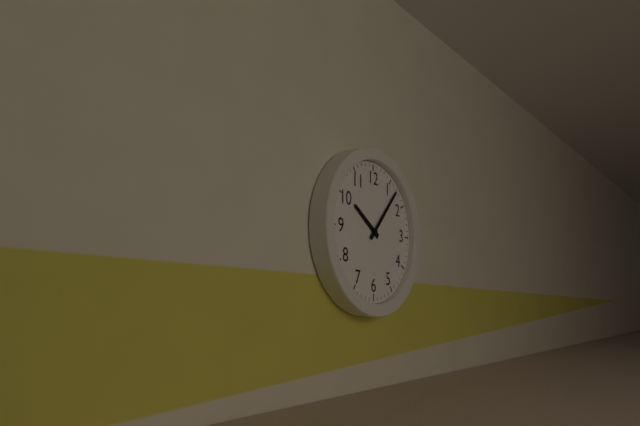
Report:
**10:07**
